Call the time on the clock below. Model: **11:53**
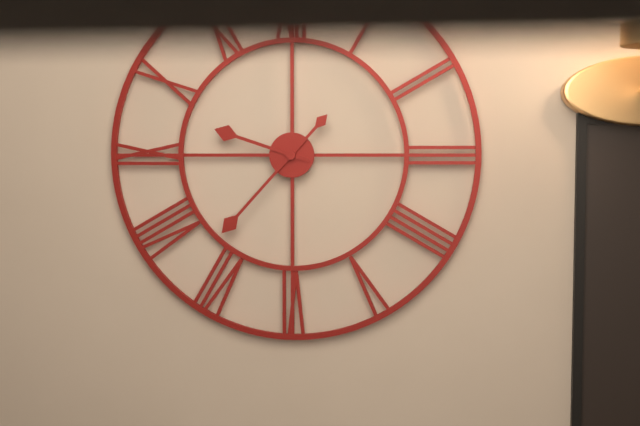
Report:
**9:37**
